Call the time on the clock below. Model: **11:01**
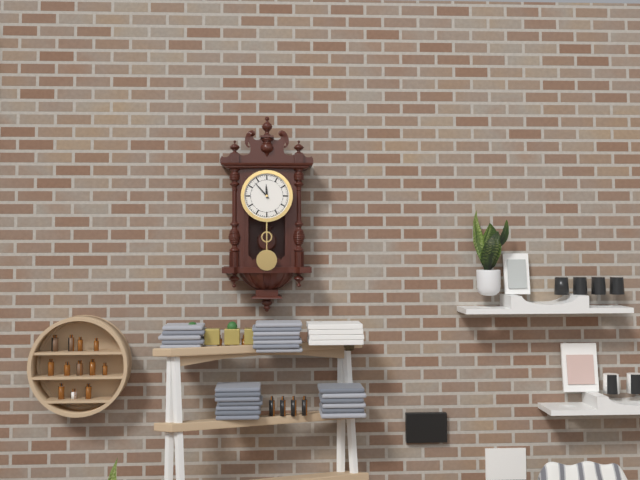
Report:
**11:53**
